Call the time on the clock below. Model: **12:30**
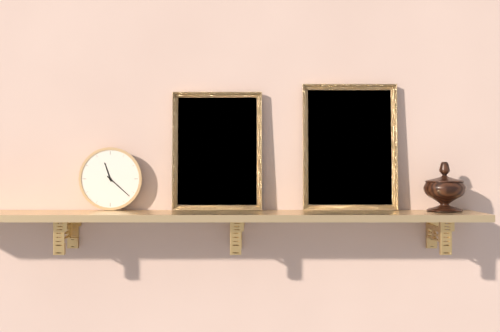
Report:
**11:22**
